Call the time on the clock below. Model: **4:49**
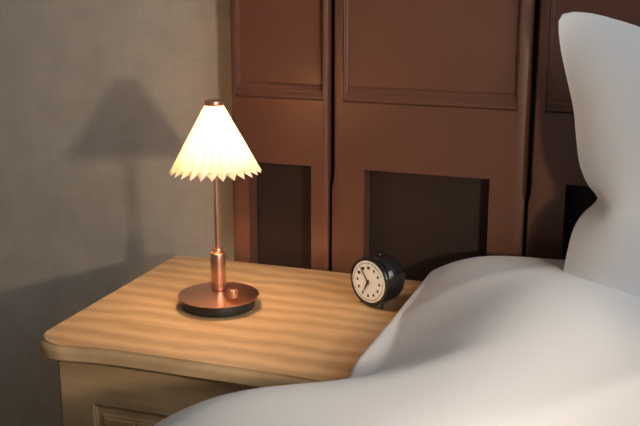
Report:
**6:54**
